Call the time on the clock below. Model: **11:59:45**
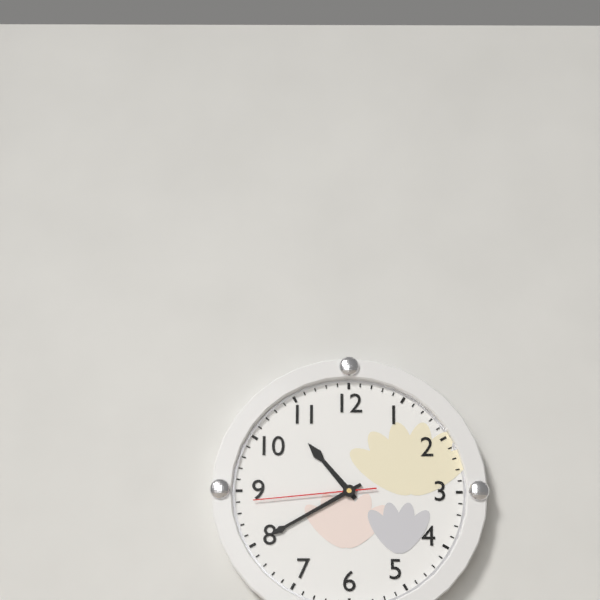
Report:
**10:40:44**
